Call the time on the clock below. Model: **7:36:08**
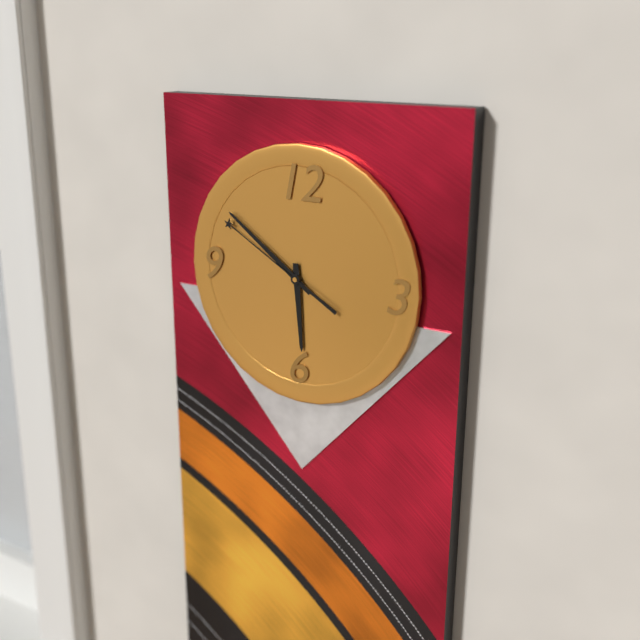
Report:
**5:51:50**
